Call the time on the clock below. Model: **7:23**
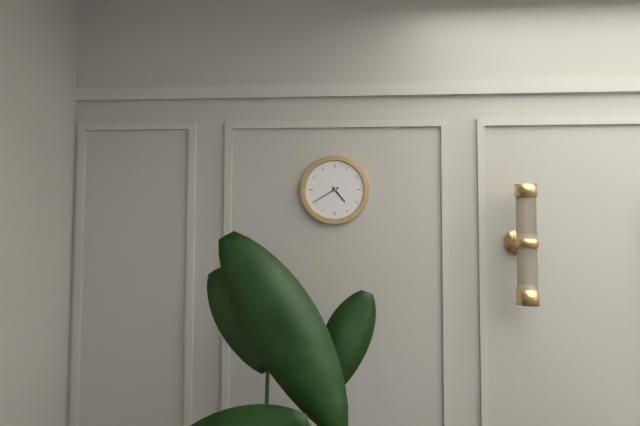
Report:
**4:40**
